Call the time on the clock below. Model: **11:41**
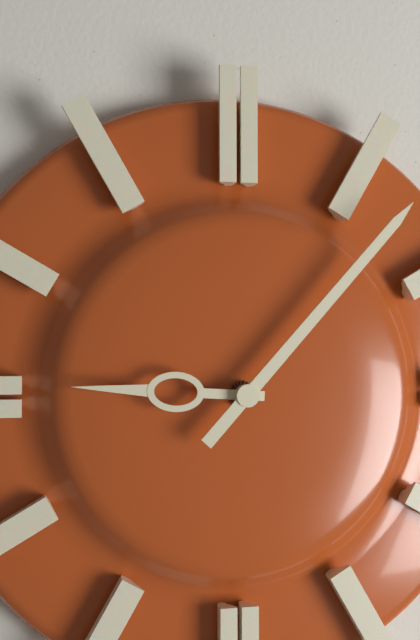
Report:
**9:07**
